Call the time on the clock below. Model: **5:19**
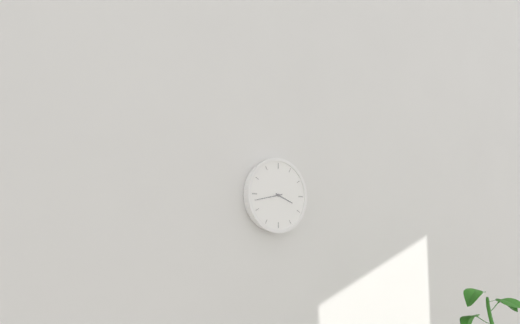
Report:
**3:43**
